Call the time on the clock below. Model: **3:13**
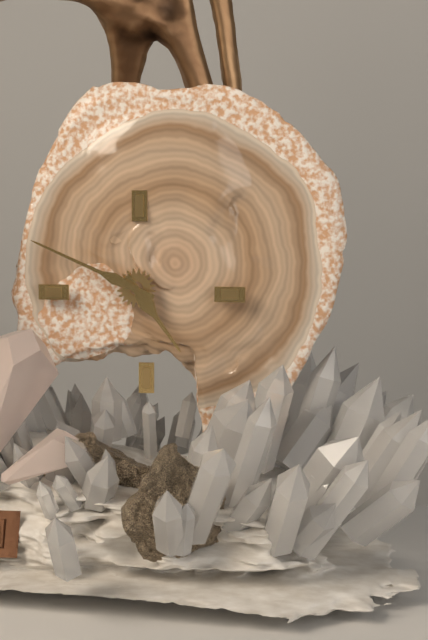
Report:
**4:49**
